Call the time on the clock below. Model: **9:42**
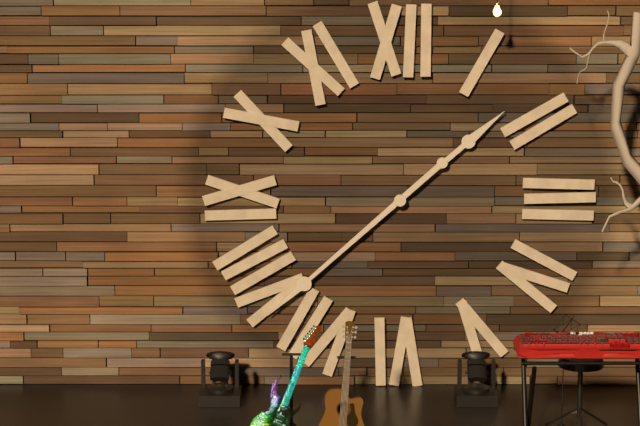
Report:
**1:38**
